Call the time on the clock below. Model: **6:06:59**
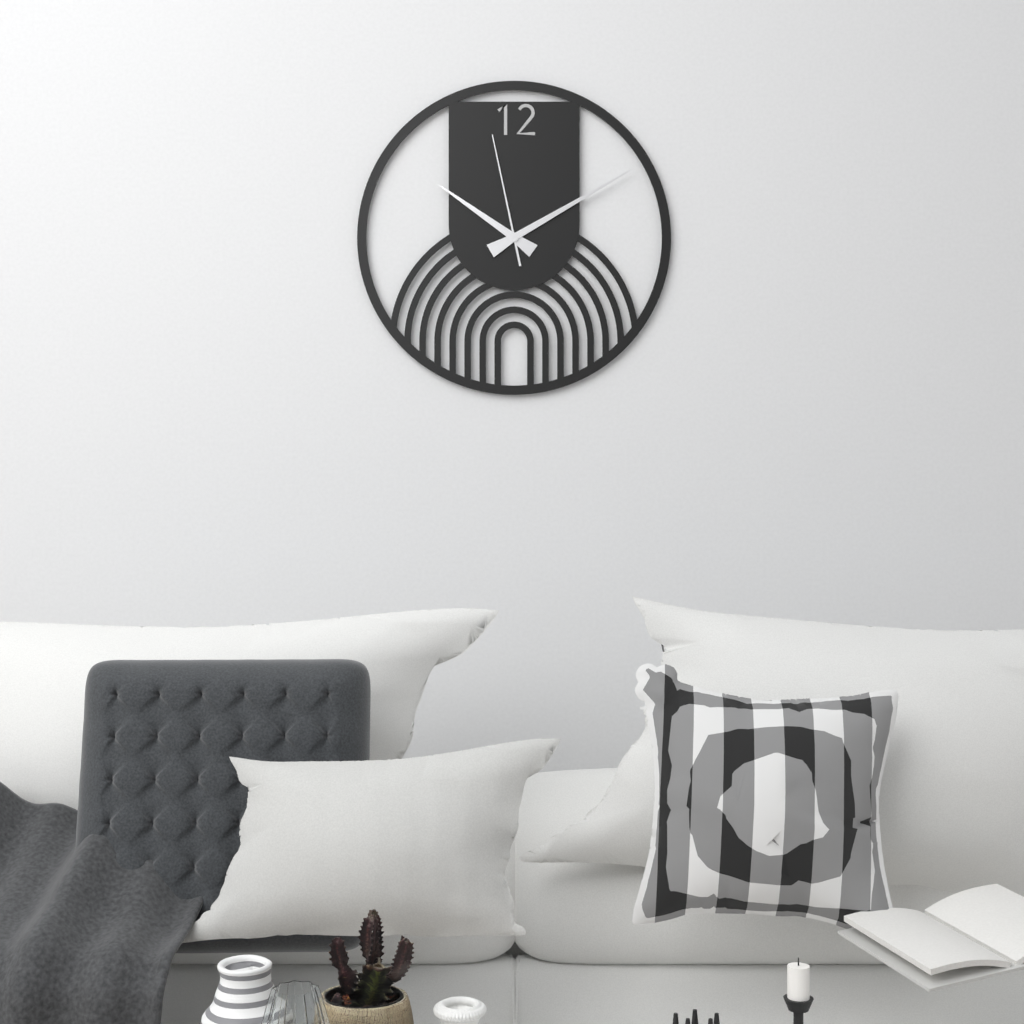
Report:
**10:10:58**
